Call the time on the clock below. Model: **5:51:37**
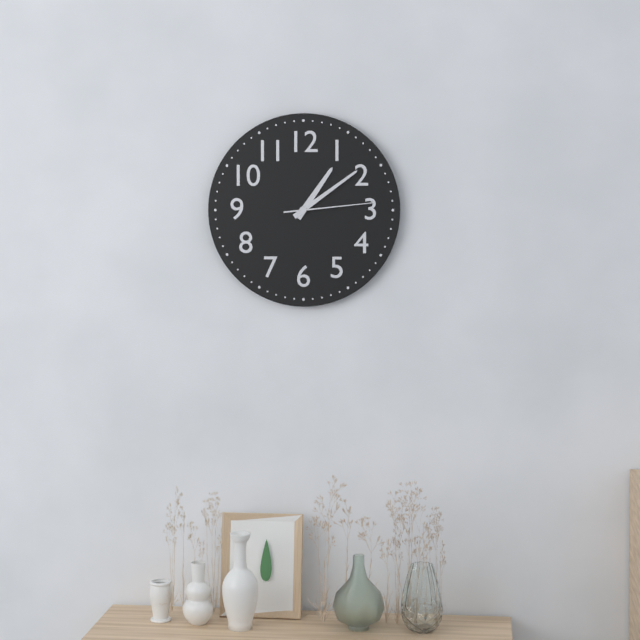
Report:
**1:09:14**
